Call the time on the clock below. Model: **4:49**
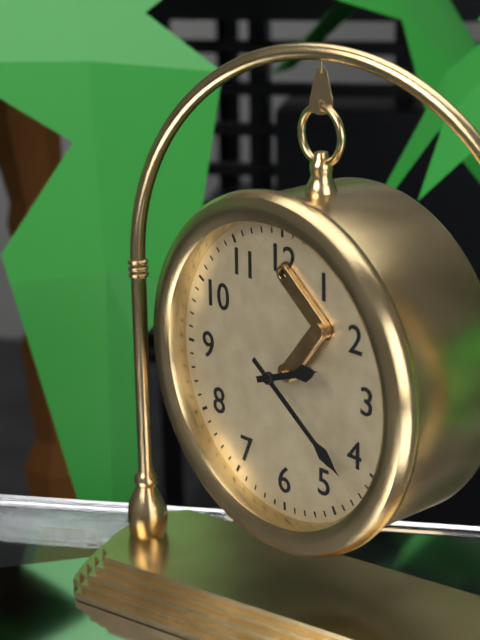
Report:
**2:21**
